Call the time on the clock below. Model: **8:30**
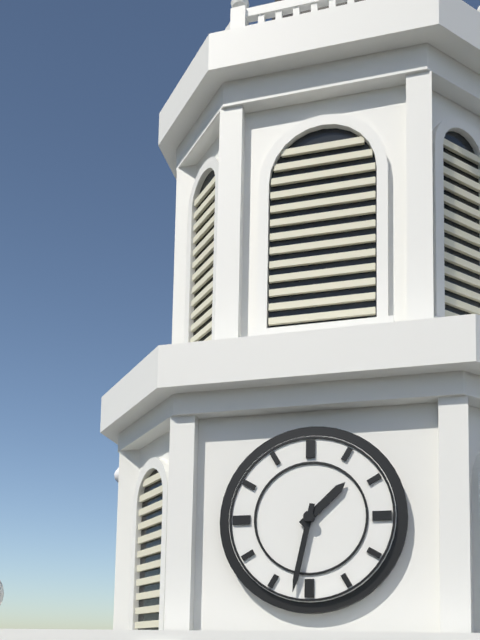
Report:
**1:32**
